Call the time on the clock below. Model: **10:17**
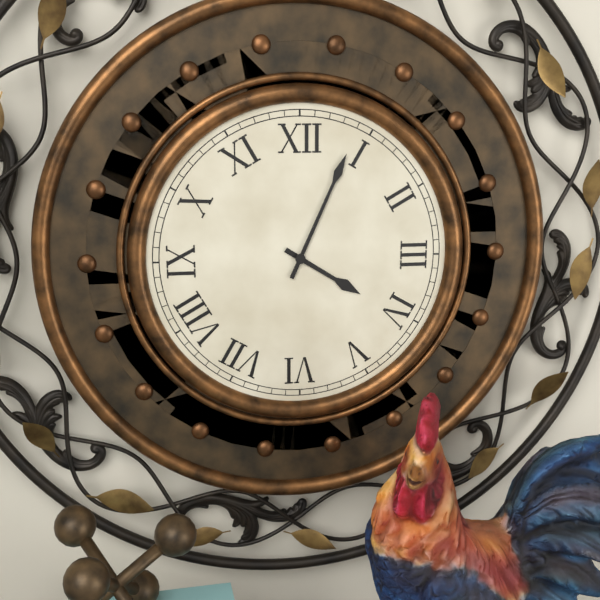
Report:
**4:04**
